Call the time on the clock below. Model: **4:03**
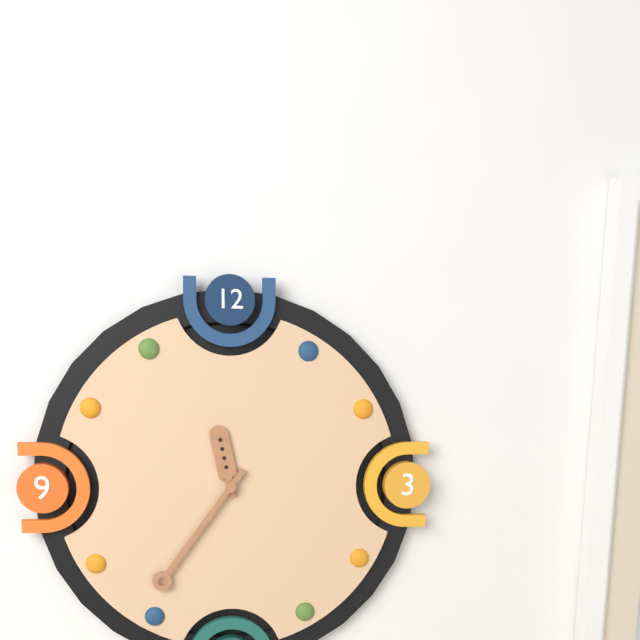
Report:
**11:36**
